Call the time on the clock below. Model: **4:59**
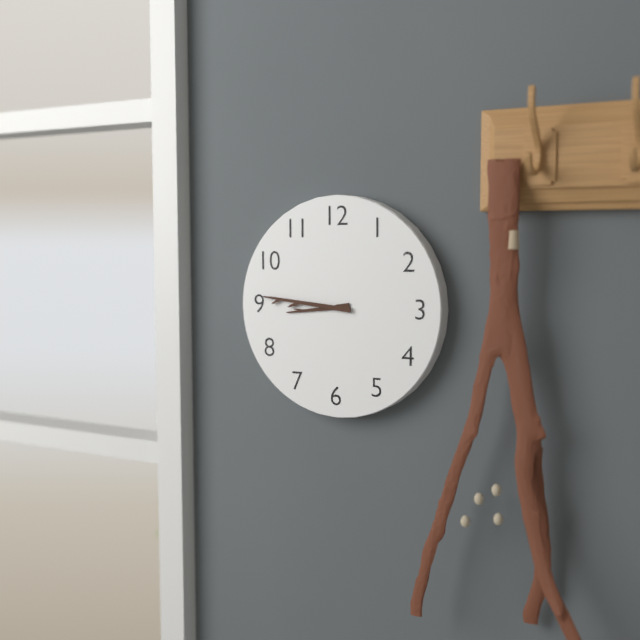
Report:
**8:46**
